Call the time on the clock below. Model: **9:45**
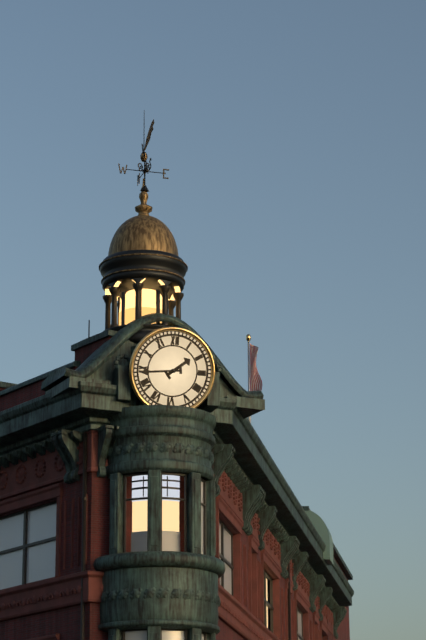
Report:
**1:44**
